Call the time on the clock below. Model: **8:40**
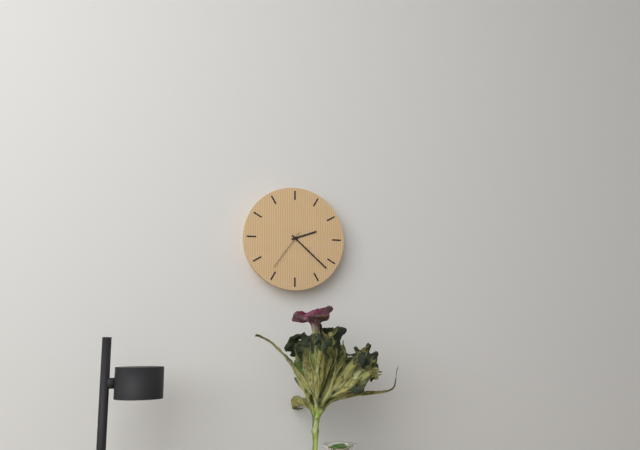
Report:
**2:22**
